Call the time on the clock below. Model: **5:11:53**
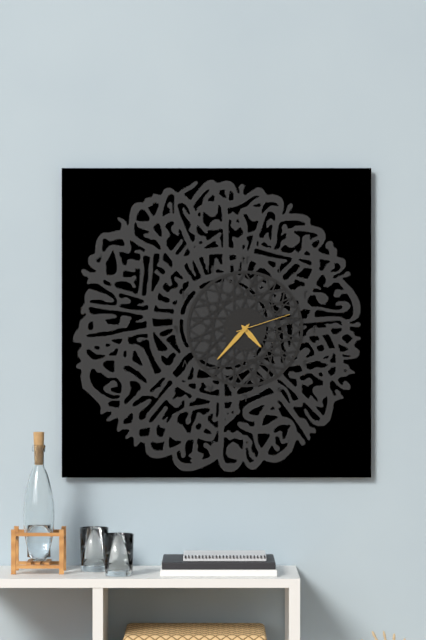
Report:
**4:37:12**
